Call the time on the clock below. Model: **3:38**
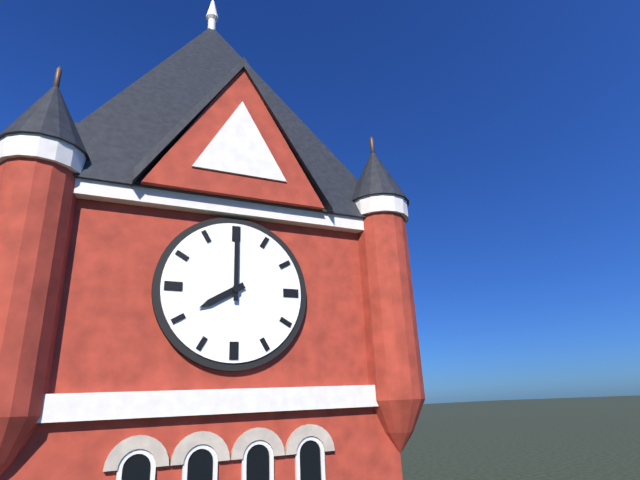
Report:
**8:00**
